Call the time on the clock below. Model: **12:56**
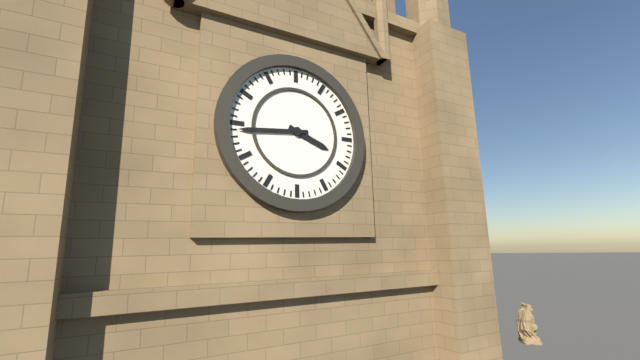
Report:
**3:44**
